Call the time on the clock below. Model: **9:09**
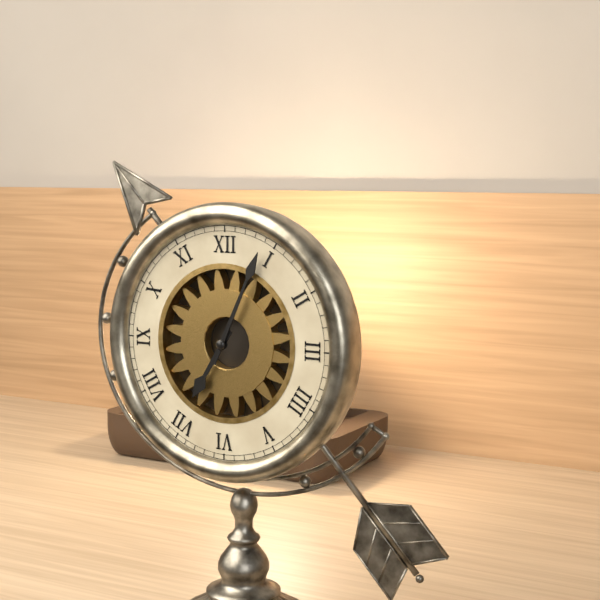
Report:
**7:04**
